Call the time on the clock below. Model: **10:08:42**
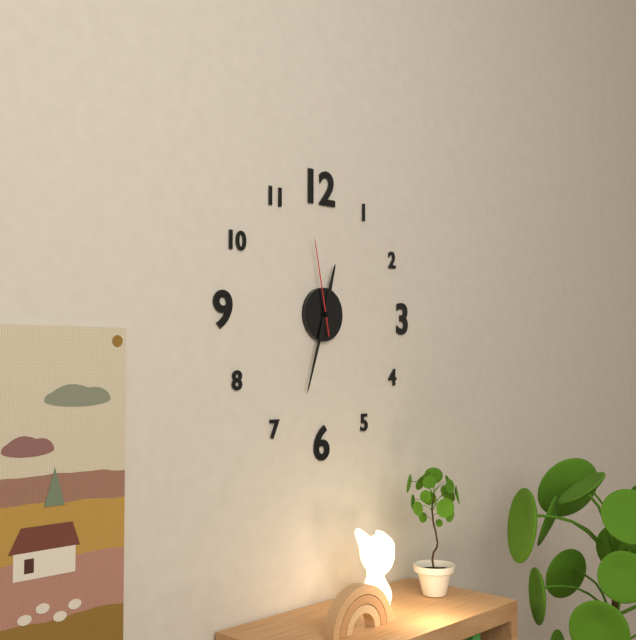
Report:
**12:33:58**
